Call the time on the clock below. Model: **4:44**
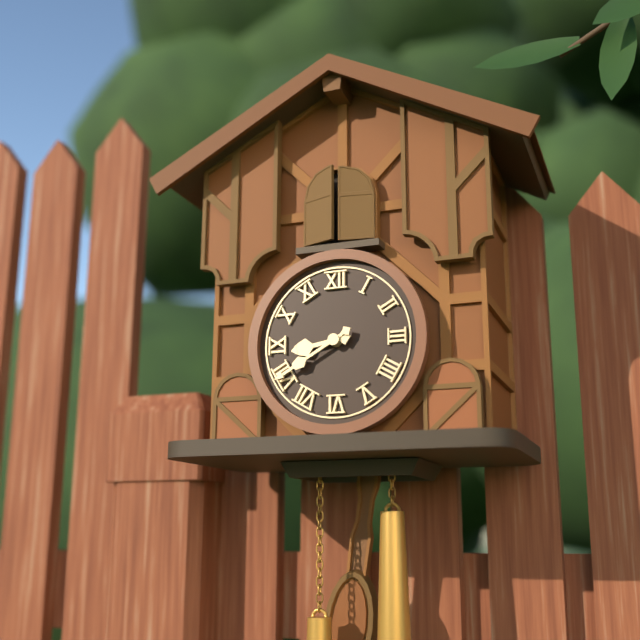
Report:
**8:40**
